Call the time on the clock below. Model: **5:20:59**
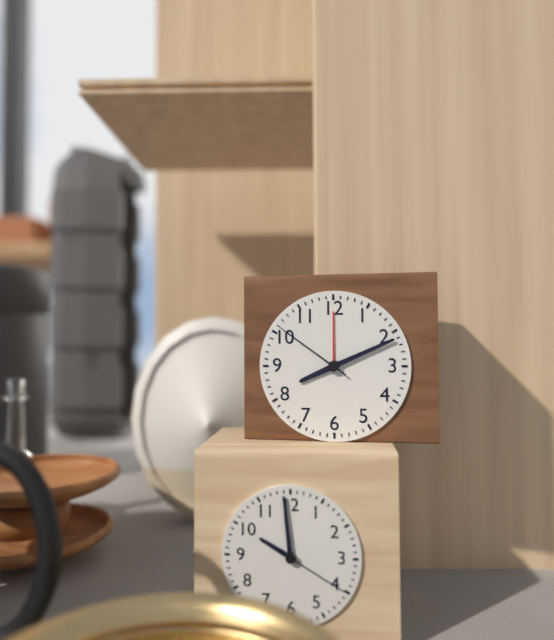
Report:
**8:11:51**
